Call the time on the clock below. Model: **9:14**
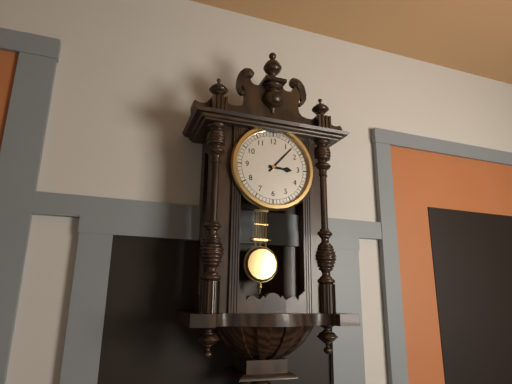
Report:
**3:07**
